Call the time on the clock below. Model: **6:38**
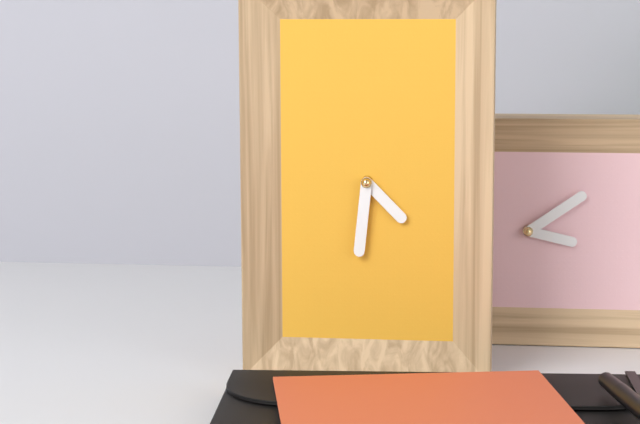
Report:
**4:31**
